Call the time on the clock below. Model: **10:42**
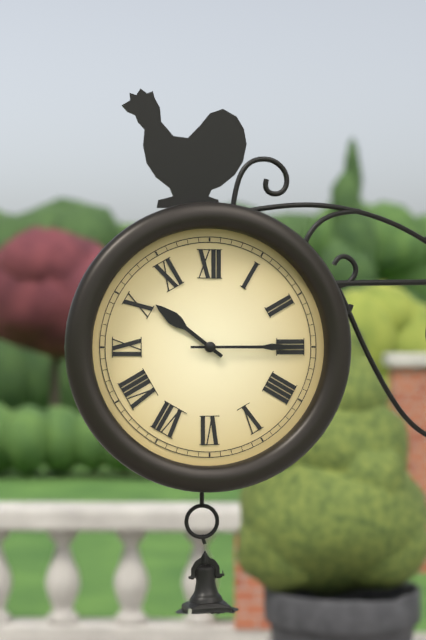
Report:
**10:15**
